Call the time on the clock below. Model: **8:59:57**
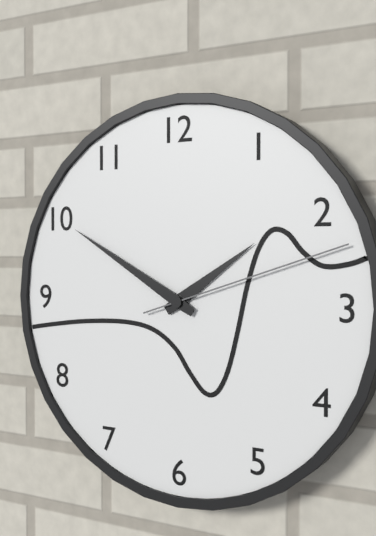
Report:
**1:50:12**
